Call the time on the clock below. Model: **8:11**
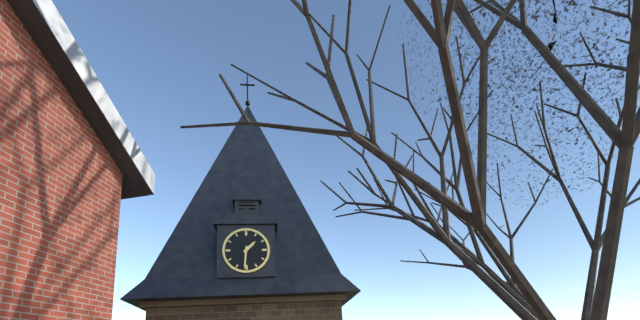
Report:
**1:31**
